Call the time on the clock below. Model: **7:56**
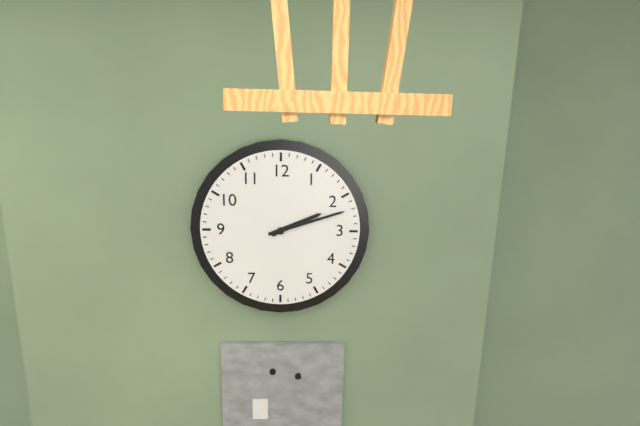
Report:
**2:12**
